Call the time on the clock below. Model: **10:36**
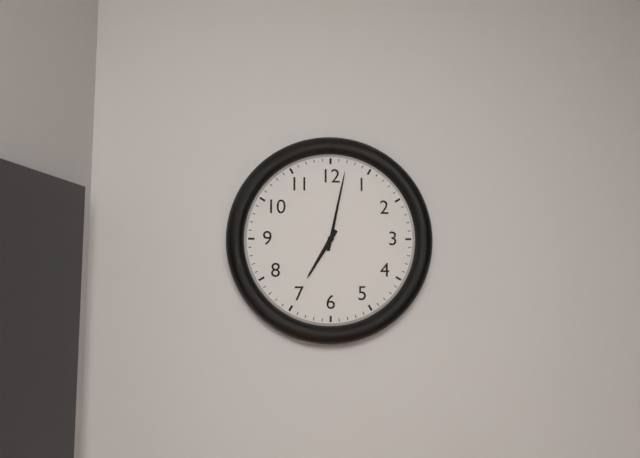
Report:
**7:02**
